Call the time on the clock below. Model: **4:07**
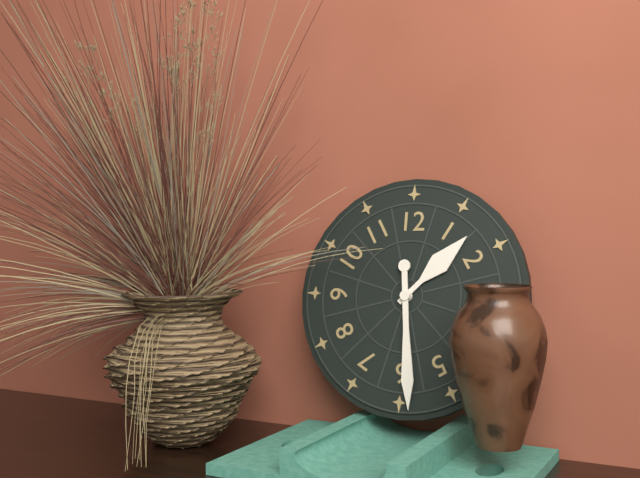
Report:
**1:29**
